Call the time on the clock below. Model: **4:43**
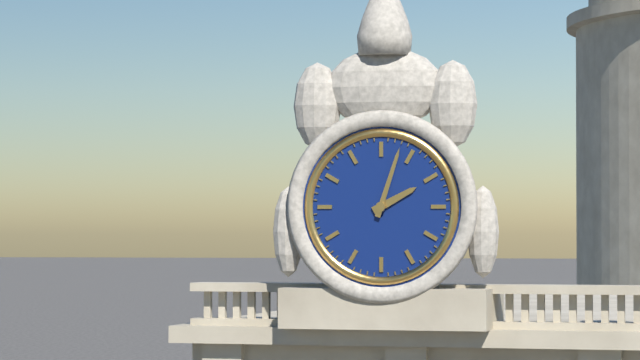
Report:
**2:03**
